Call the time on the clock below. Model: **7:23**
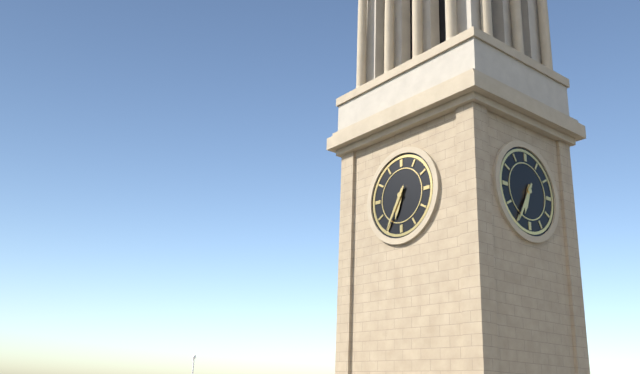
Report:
**6:35**
